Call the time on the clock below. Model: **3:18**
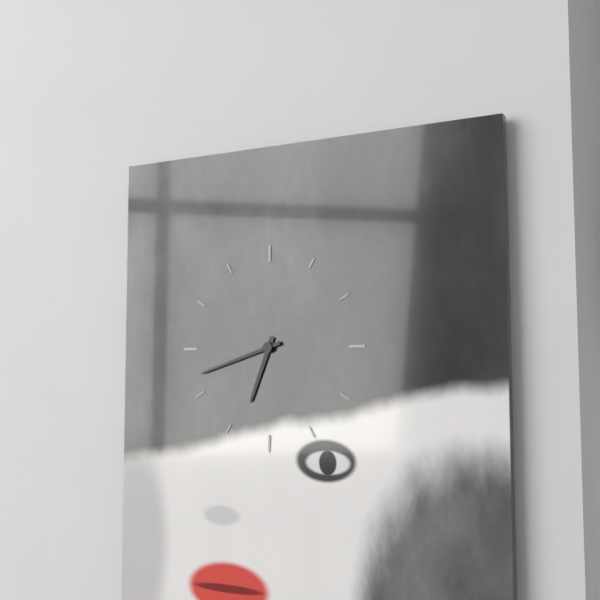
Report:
**6:42**
